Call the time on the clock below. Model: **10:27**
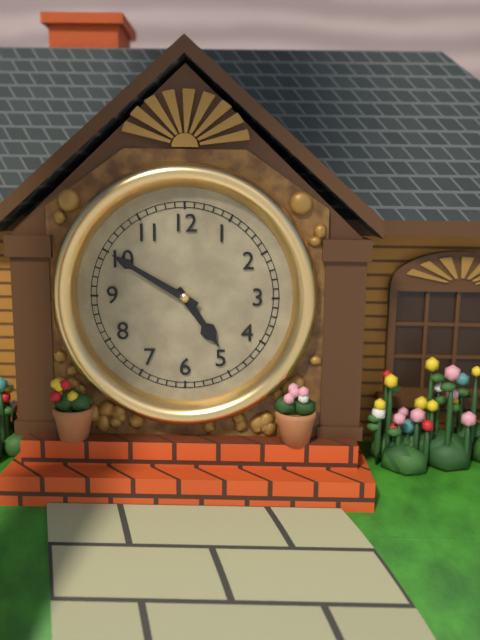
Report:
**4:50**
